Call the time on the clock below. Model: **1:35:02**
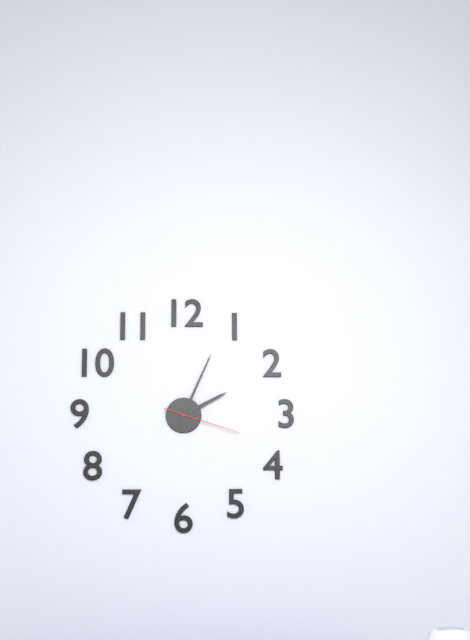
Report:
**2:04:18**
